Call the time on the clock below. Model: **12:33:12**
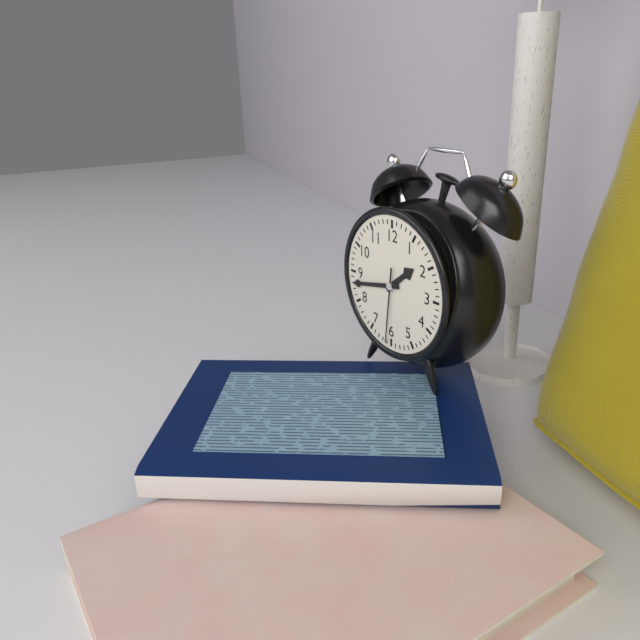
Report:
**1:43:31**
